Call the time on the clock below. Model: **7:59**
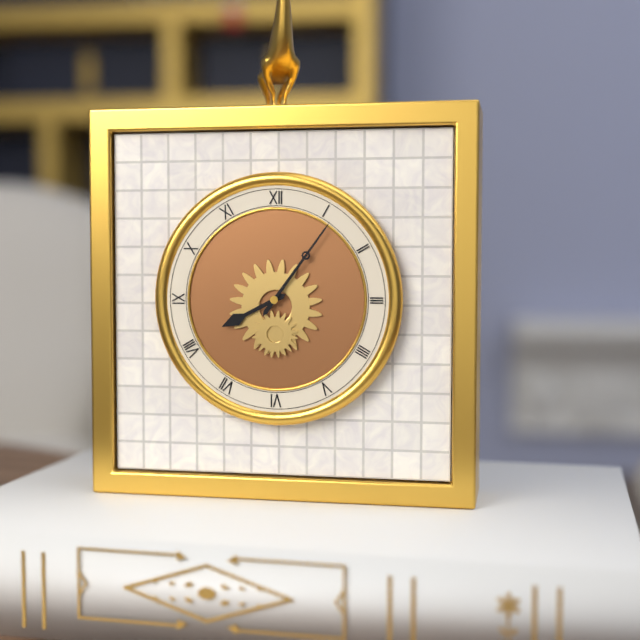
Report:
**8:06**
